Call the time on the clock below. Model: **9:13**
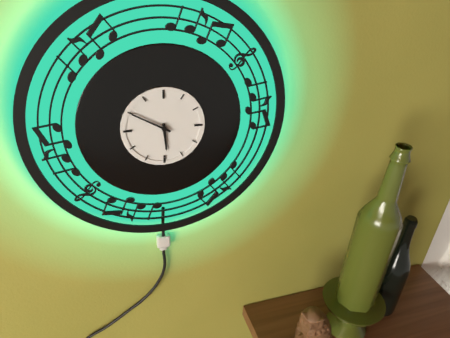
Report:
**5:50**
